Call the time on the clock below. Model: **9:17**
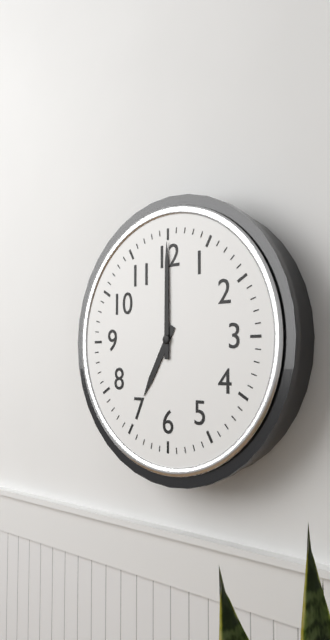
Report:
**7:00**
